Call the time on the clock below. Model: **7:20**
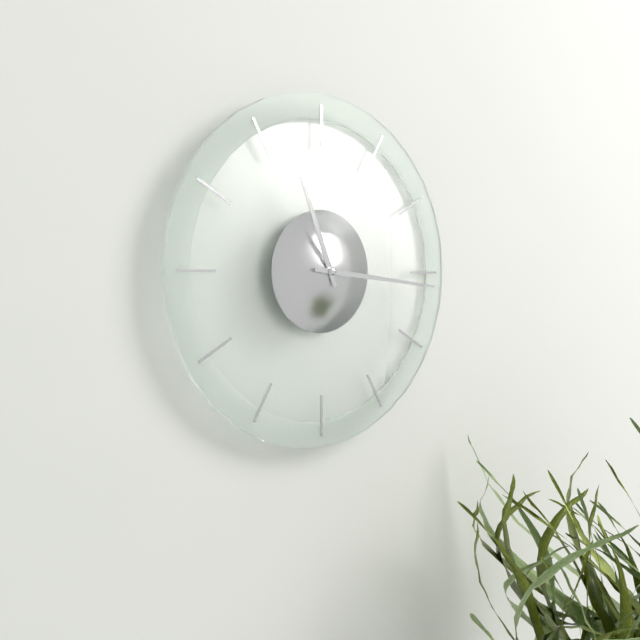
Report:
**11:16**
